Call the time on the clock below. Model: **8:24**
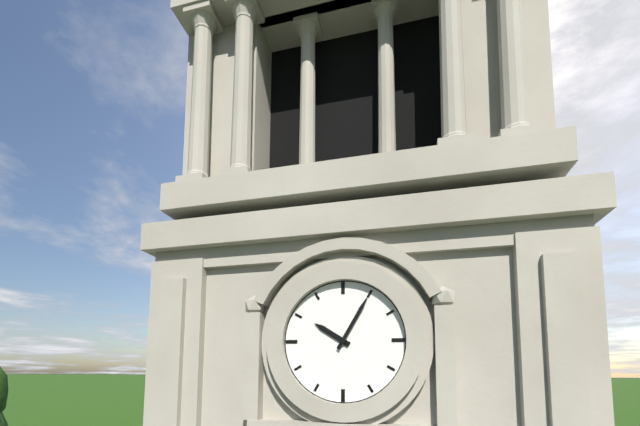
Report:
**10:05**
